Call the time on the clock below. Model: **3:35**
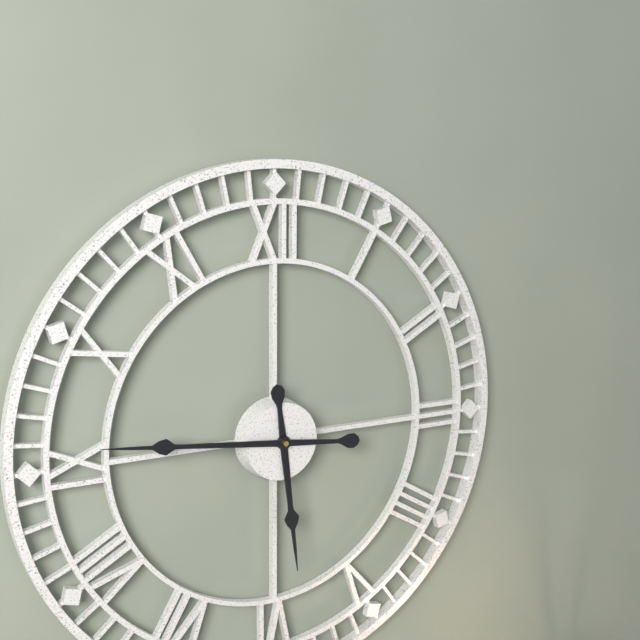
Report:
**5:46**
